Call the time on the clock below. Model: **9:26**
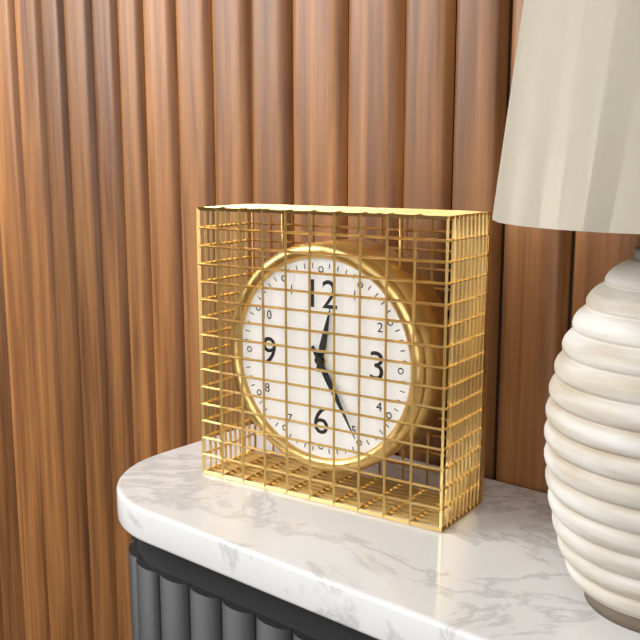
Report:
**12:25**
